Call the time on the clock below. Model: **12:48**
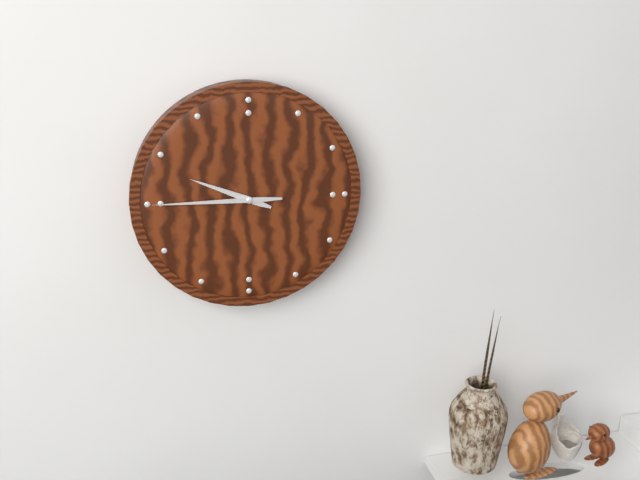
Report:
**9:45**
